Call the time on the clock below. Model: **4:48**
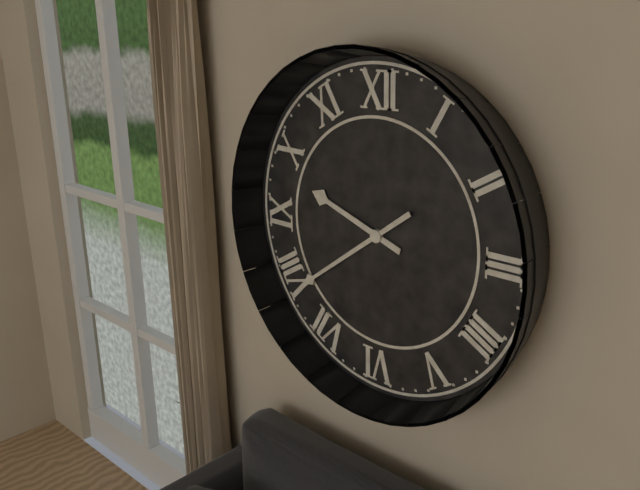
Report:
**9:39**
